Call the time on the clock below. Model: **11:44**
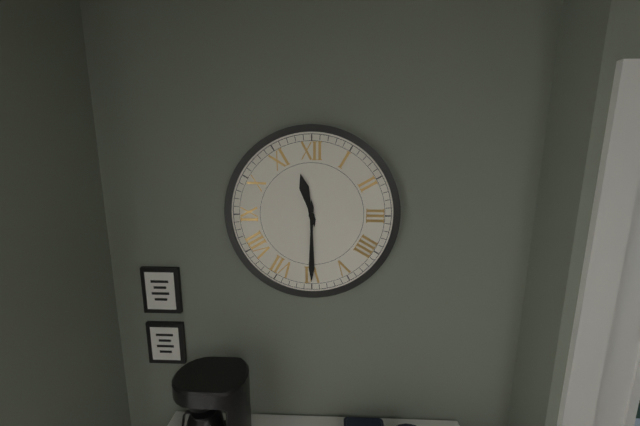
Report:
**11:30**
